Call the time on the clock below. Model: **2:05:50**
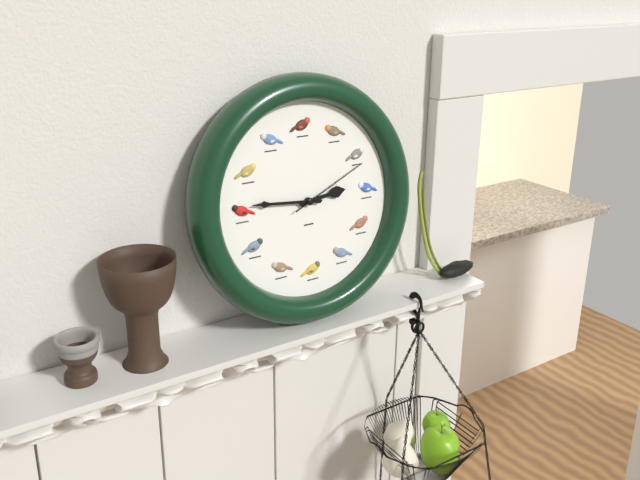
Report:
**2:46:11**
